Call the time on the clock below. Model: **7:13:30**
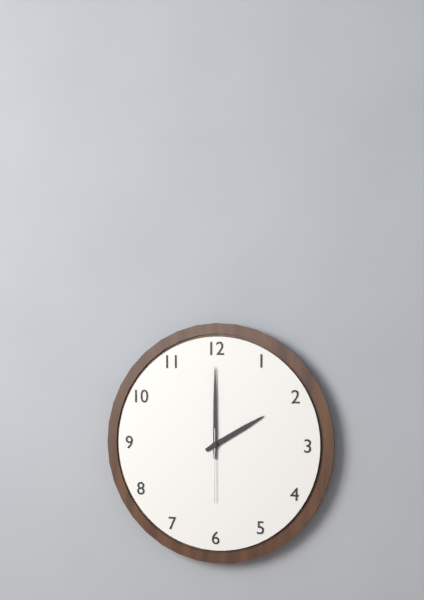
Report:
**2:00:30**
